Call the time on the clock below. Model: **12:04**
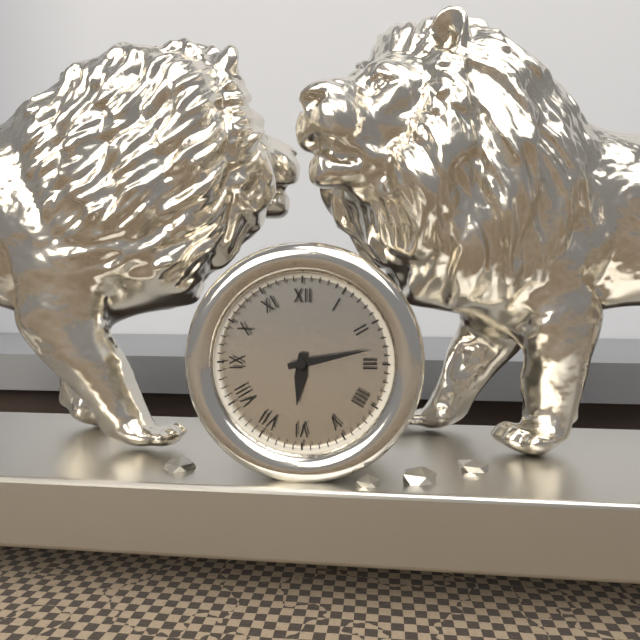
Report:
**6:13**
